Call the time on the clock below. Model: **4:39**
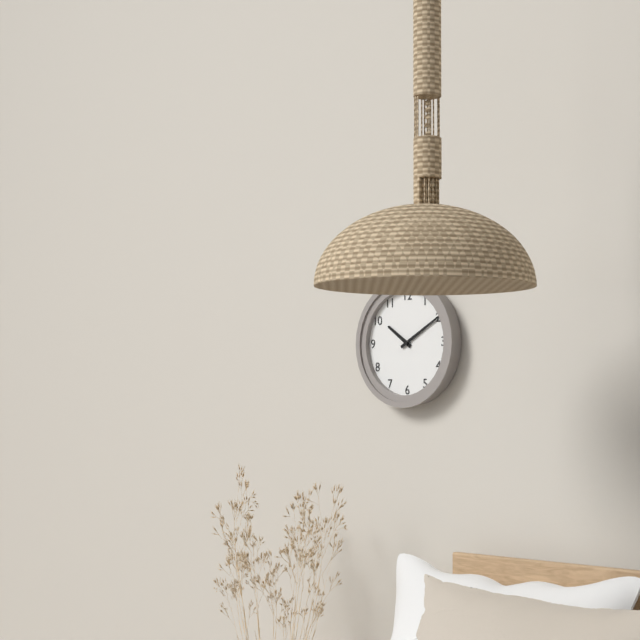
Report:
**10:10**
